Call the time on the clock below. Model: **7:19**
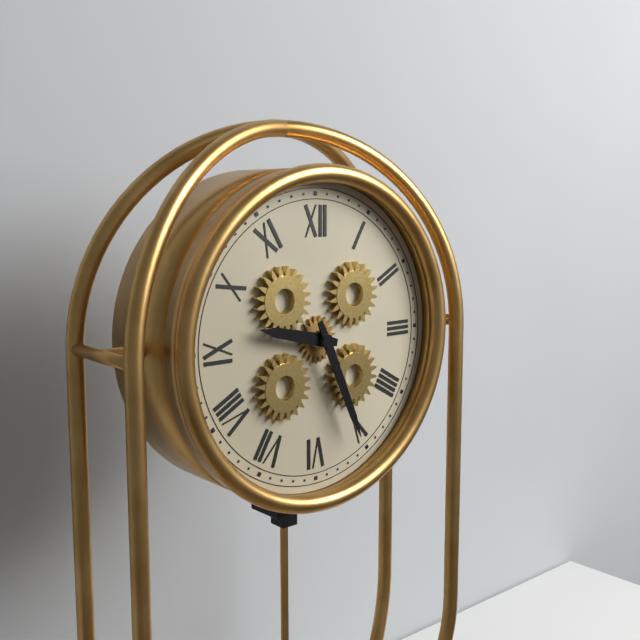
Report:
**9:26**
